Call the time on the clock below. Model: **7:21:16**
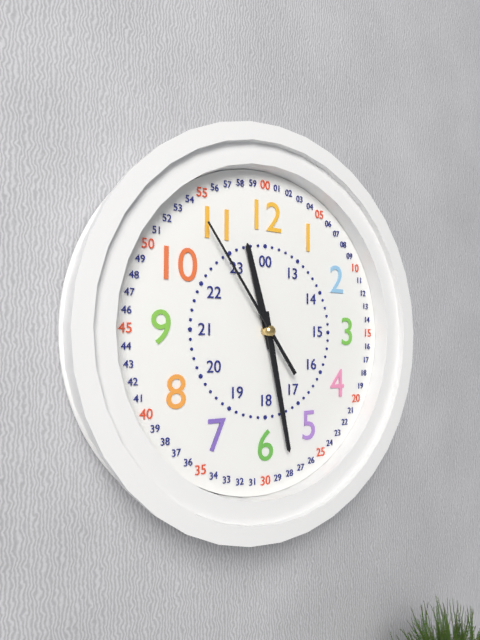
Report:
**11:28:54**
